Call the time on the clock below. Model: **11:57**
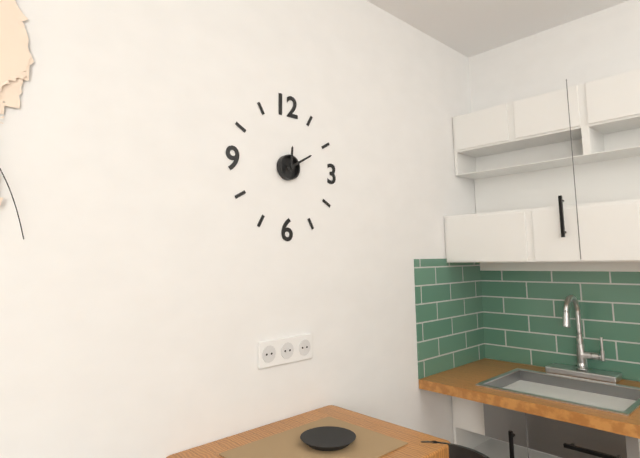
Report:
**12:10**
